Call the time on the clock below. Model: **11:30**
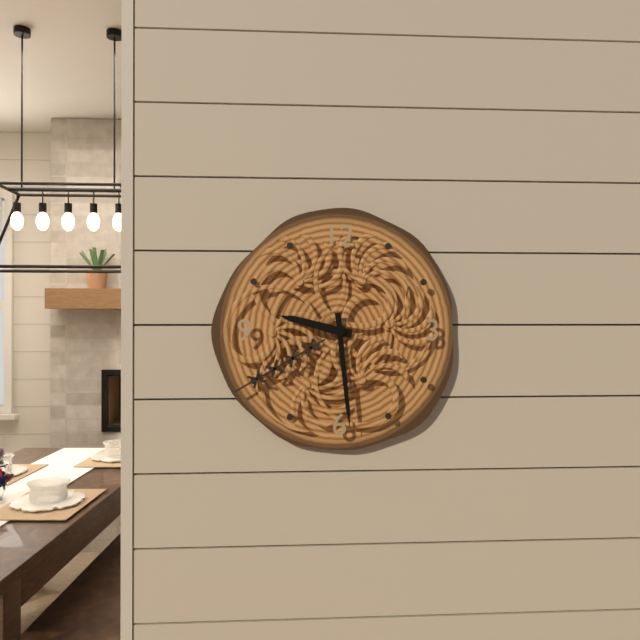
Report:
**9:29**
